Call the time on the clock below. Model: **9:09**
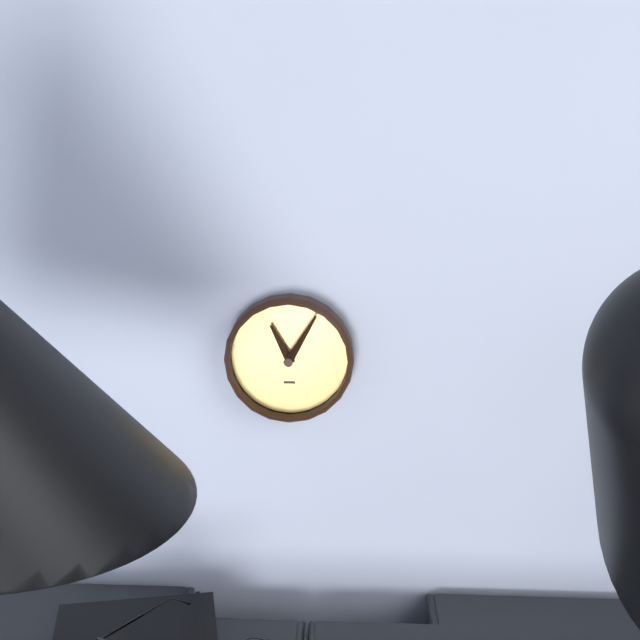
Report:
**11:05**
